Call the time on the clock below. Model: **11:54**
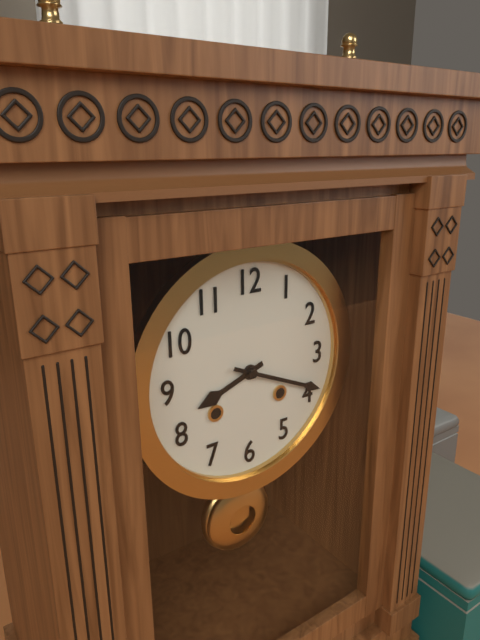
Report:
**8:19**
